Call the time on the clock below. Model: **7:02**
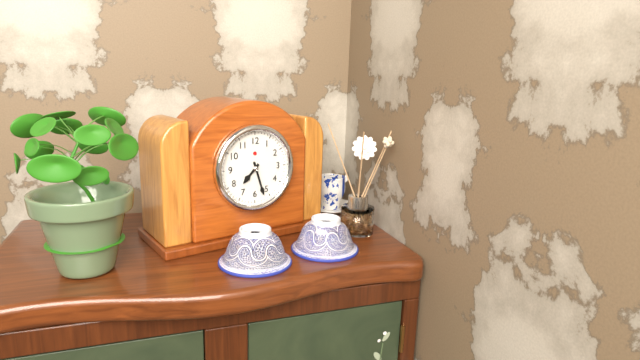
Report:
**7:27**
